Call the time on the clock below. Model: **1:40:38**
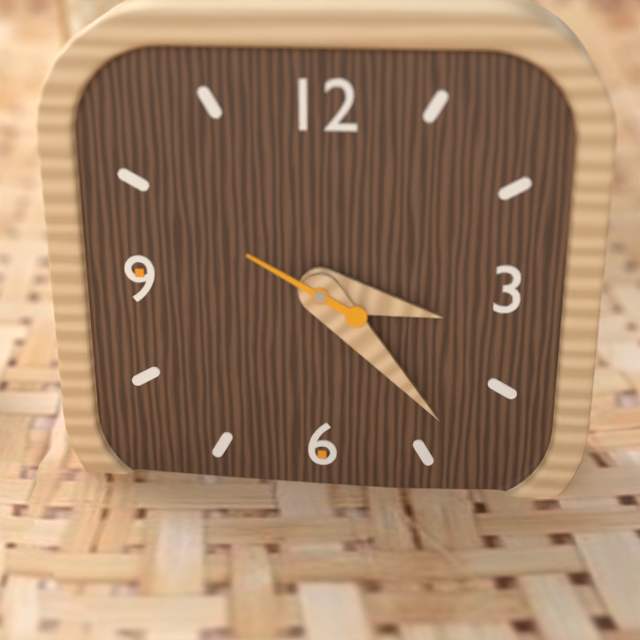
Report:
**3:23:50**
